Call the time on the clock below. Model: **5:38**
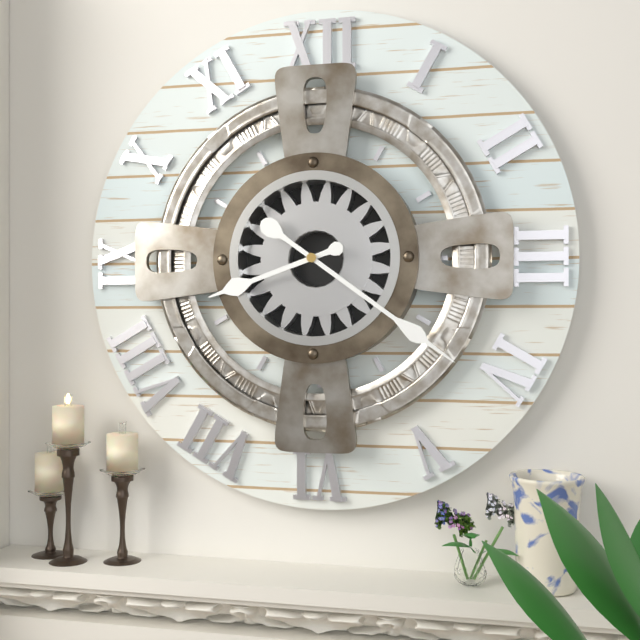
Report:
**8:21**
